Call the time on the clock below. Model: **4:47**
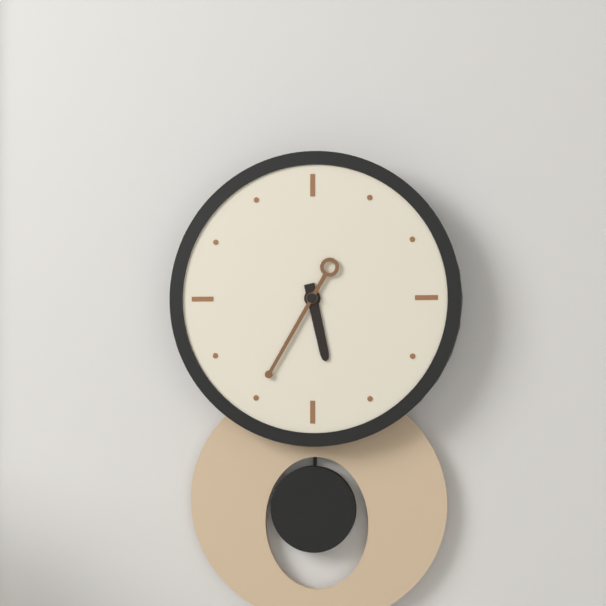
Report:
**5:35**
